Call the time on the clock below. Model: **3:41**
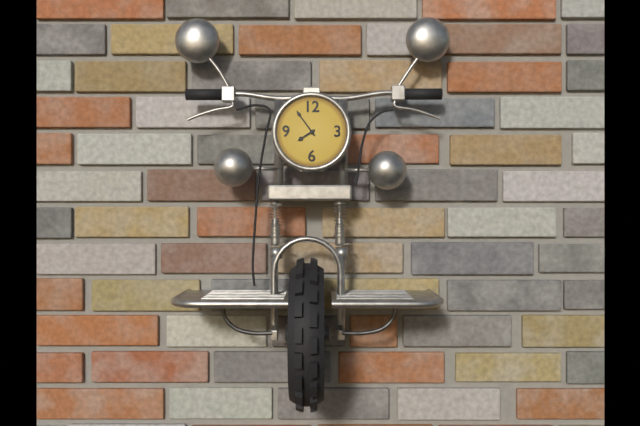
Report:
**7:54**
